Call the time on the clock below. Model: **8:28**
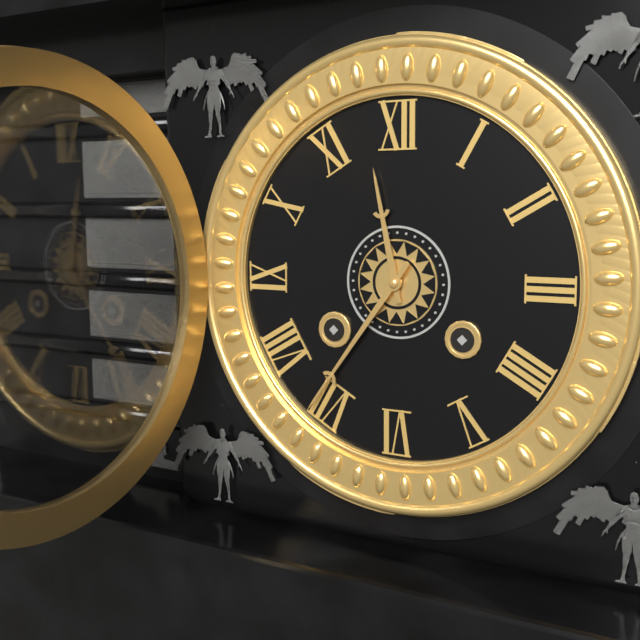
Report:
**11:36**
